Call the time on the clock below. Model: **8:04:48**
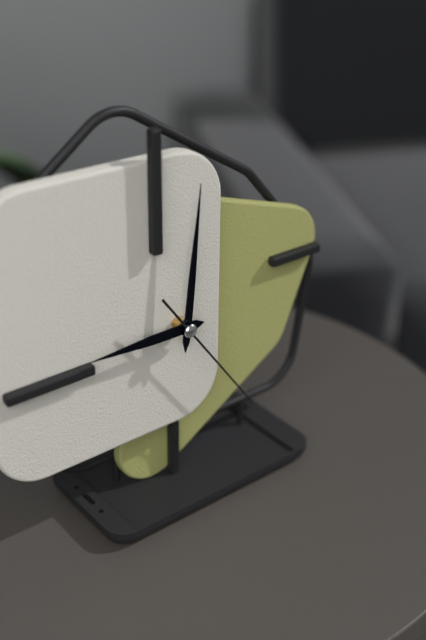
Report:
**9:01:24**
